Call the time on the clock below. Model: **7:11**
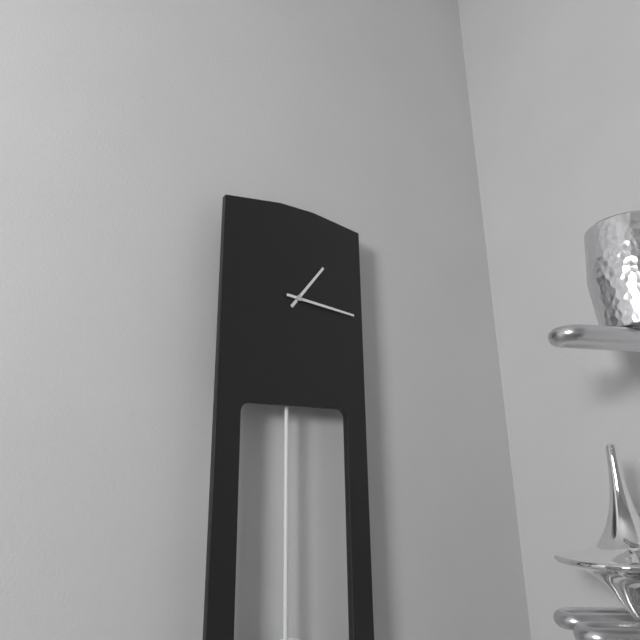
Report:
**1:16**
